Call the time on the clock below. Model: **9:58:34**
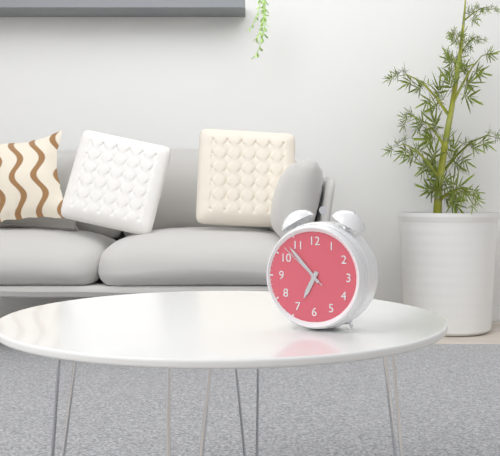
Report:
**6:53:52**
